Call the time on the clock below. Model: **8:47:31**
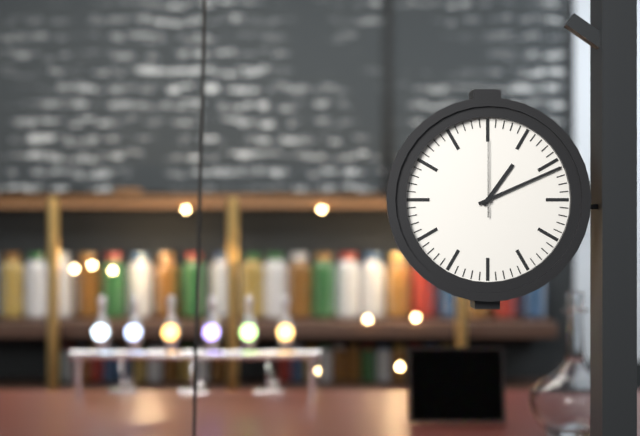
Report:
**1:11:00**
